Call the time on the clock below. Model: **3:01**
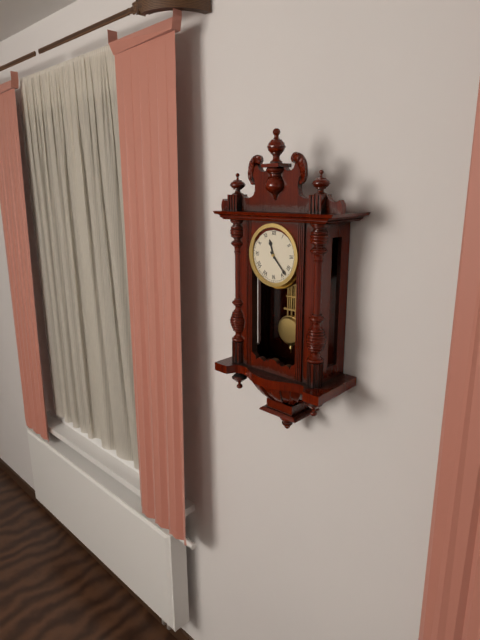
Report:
**11:23**
